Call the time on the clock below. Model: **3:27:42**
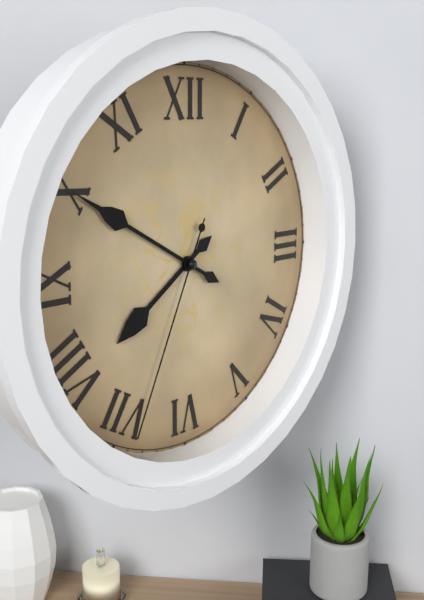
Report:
**7:50:34**
